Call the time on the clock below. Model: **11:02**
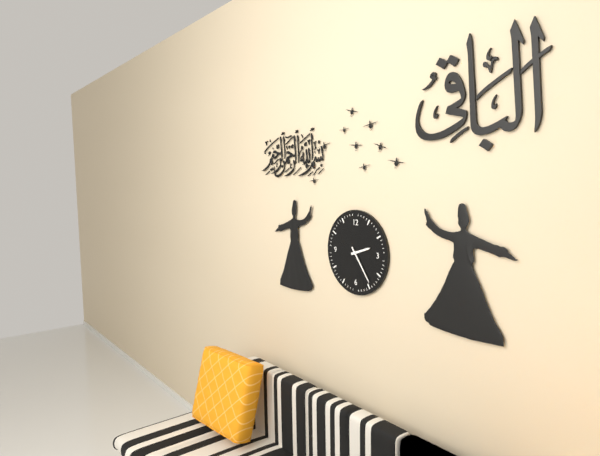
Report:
**2:24**
